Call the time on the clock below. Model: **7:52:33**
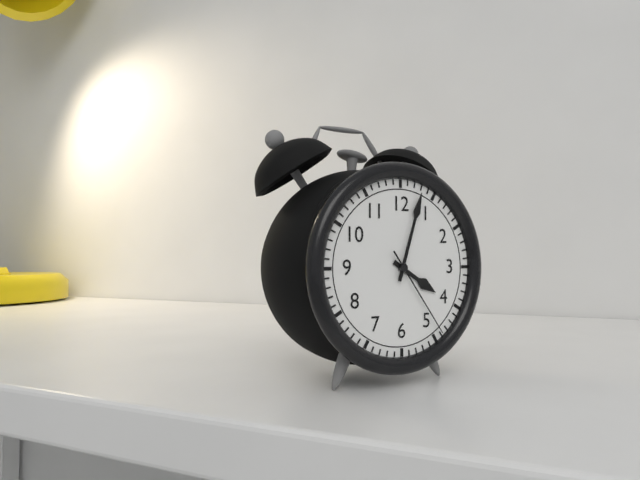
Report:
**4:03:24**
